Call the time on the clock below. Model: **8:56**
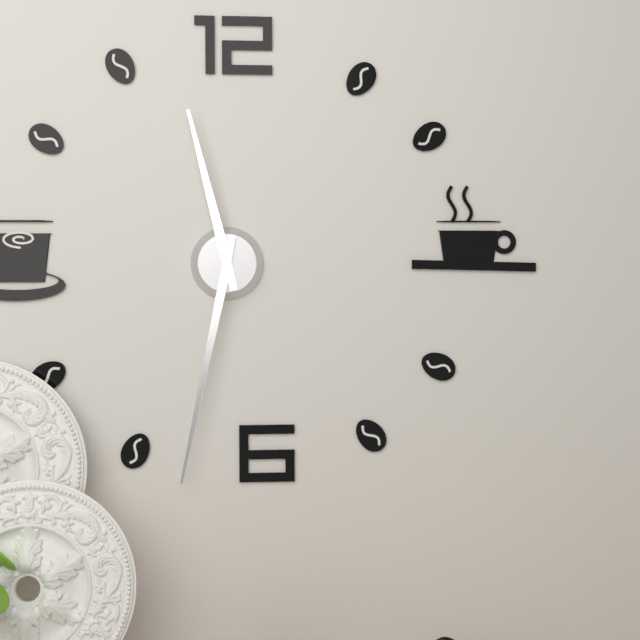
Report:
**11:32**
